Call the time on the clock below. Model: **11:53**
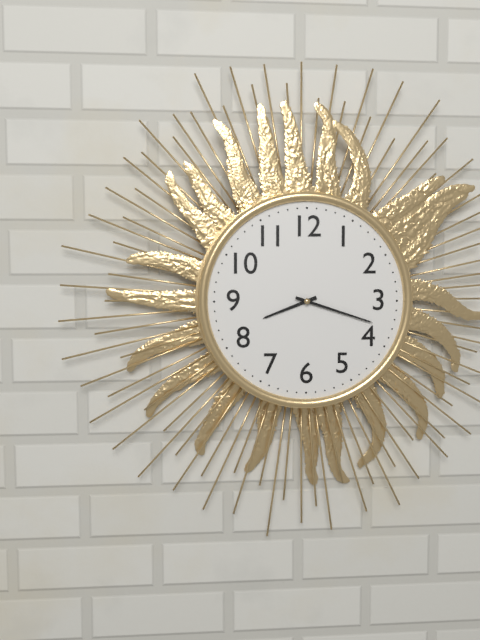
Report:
**8:18**
